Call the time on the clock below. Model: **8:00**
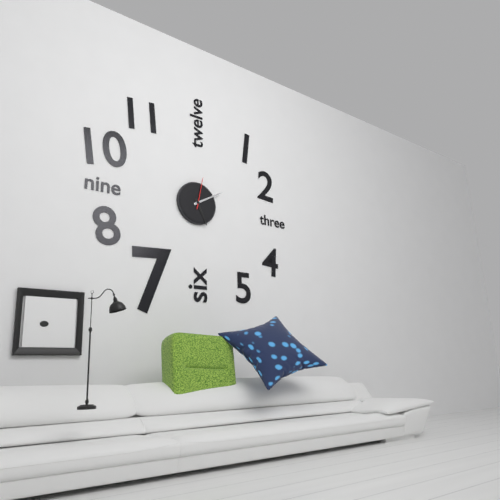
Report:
**5:10**
